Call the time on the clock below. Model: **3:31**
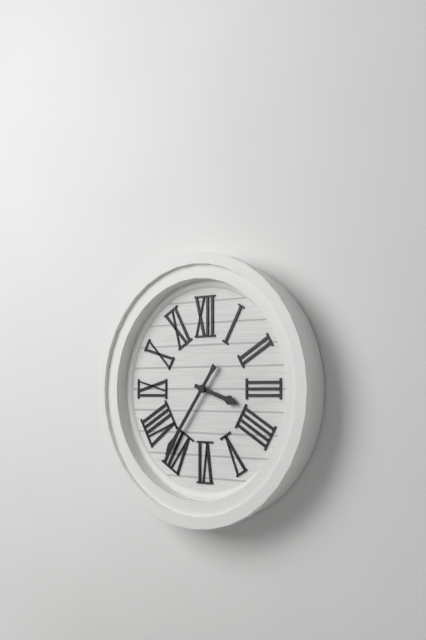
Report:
**3:36**
